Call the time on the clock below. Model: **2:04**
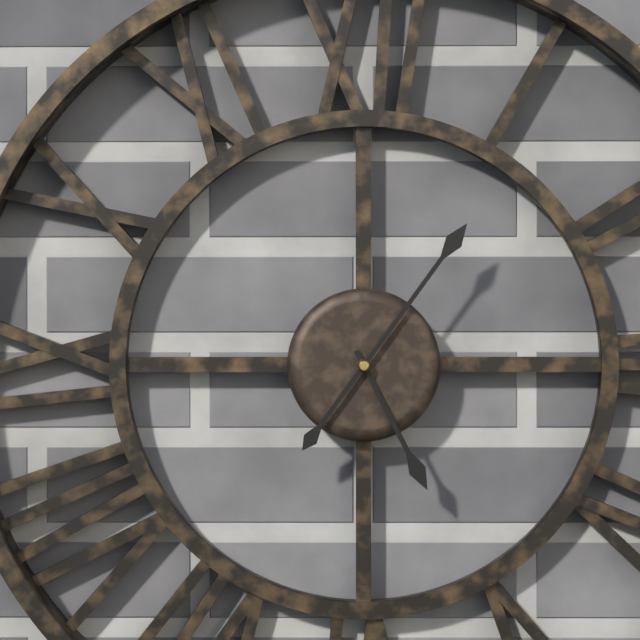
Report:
**5:06**
